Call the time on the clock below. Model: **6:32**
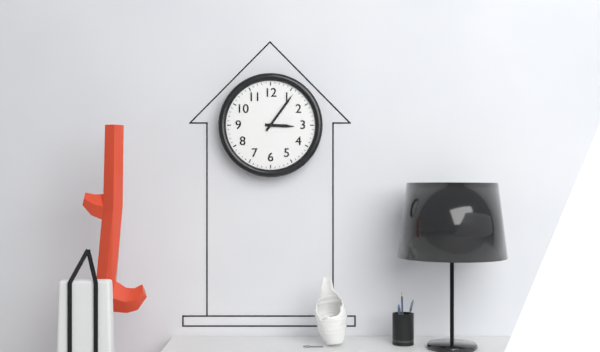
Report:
**3:06**
